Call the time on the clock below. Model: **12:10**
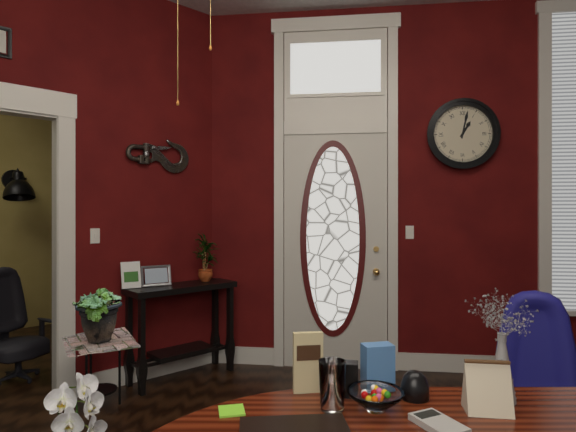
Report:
**1:02**
